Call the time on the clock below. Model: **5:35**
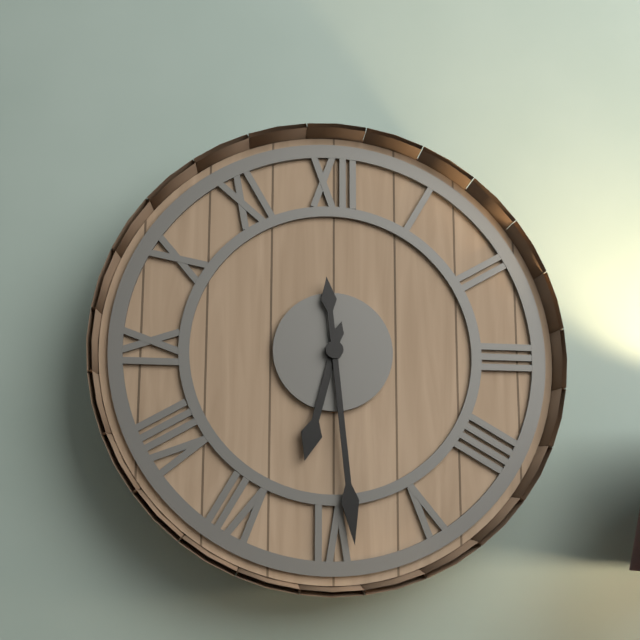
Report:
**6:29**
